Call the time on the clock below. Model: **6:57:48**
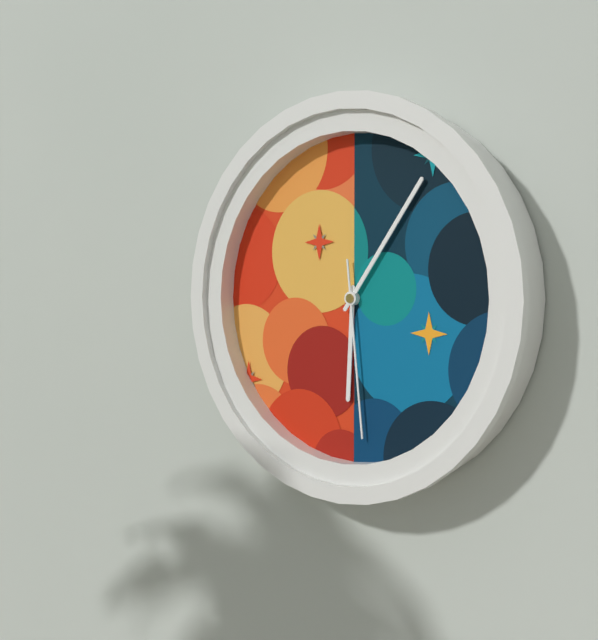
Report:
**6:06:29**
